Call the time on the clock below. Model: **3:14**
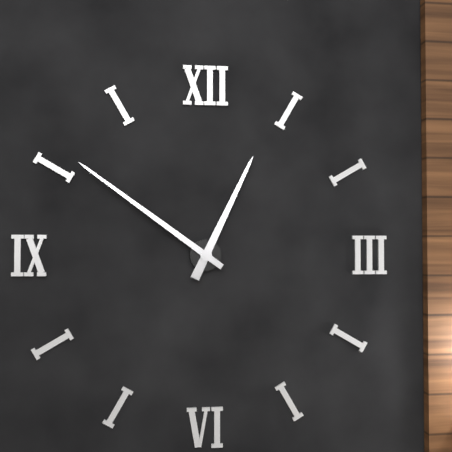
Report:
**12:51**
